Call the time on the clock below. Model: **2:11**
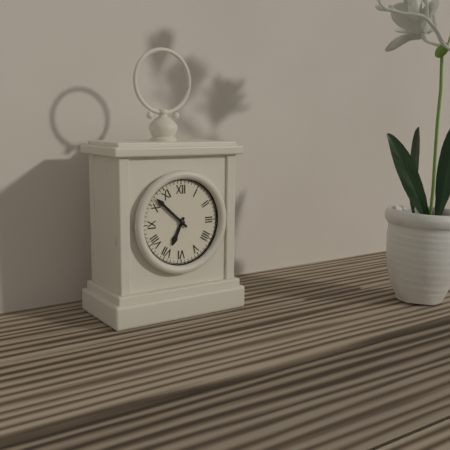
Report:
**6:52**
